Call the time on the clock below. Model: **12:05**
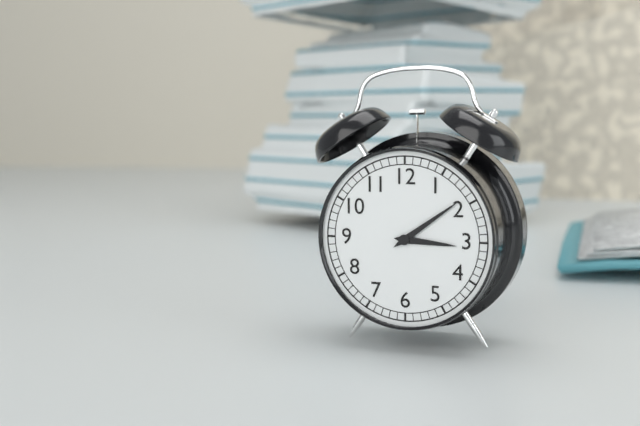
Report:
**3:09**
